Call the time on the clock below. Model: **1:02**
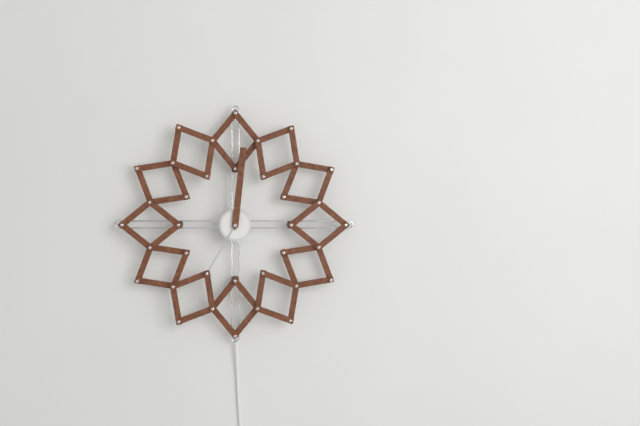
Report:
**7:01**
